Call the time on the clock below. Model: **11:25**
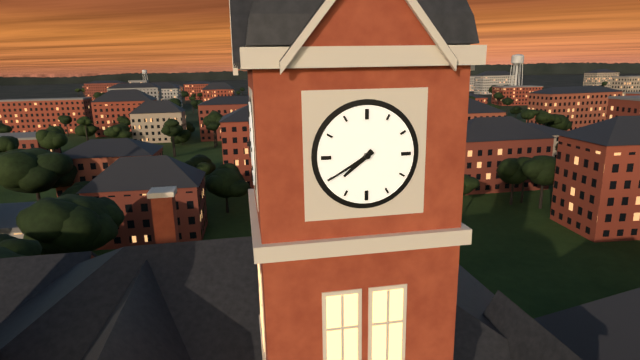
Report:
**7:40**
